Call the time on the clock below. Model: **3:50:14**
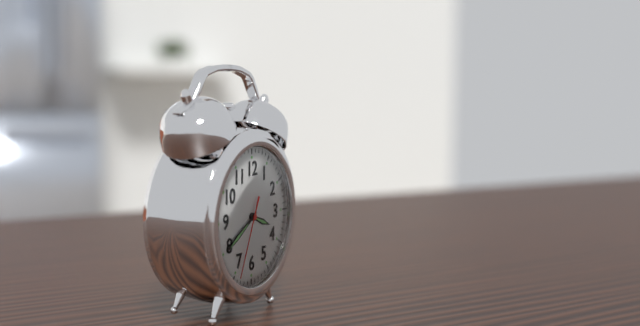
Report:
**3:40:34**
